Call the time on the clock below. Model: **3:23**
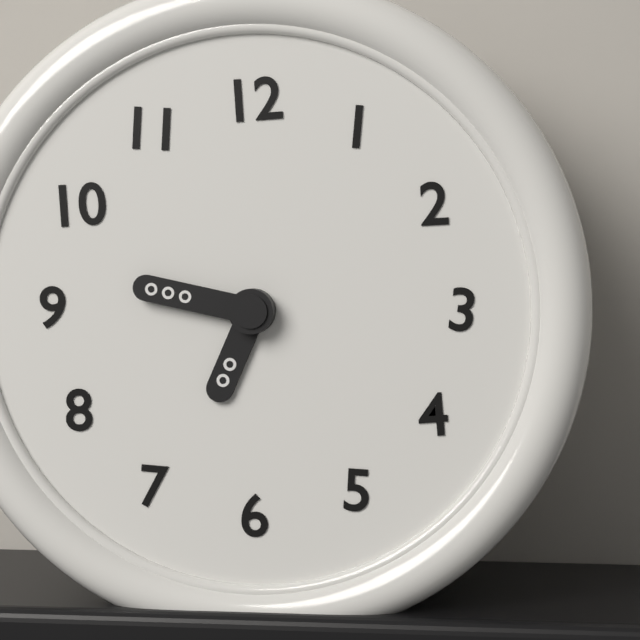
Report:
**6:47**
